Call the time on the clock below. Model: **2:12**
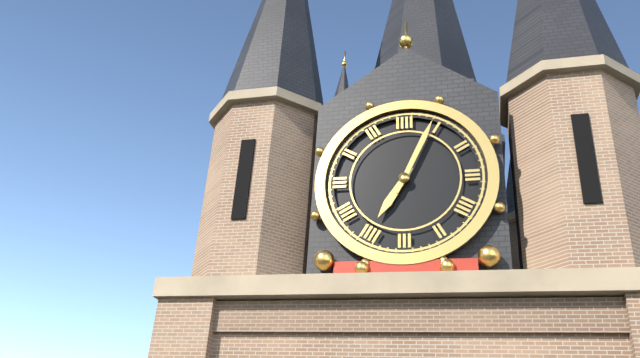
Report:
**7:04**
